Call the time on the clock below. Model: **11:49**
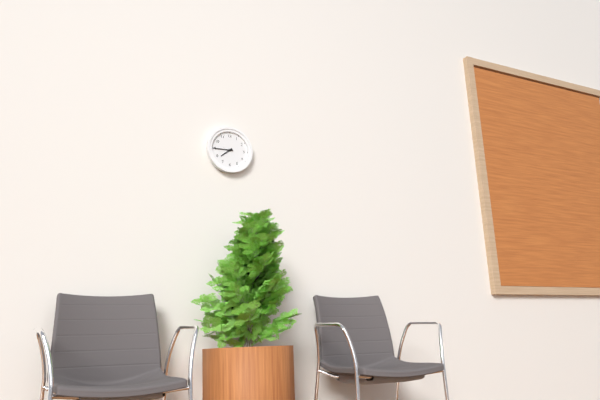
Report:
**7:45**
